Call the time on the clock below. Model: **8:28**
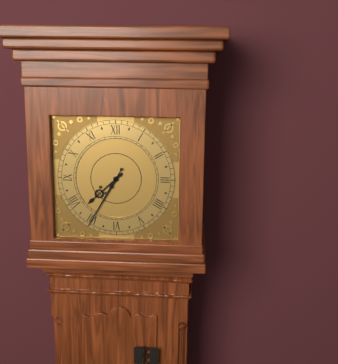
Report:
**7:35**
